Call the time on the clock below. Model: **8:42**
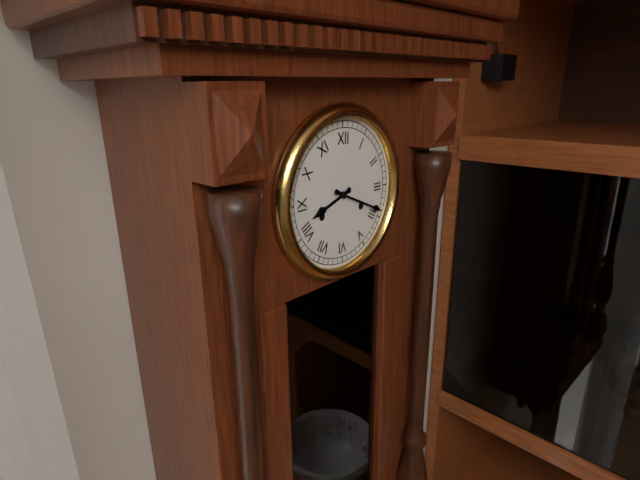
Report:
**8:19**
